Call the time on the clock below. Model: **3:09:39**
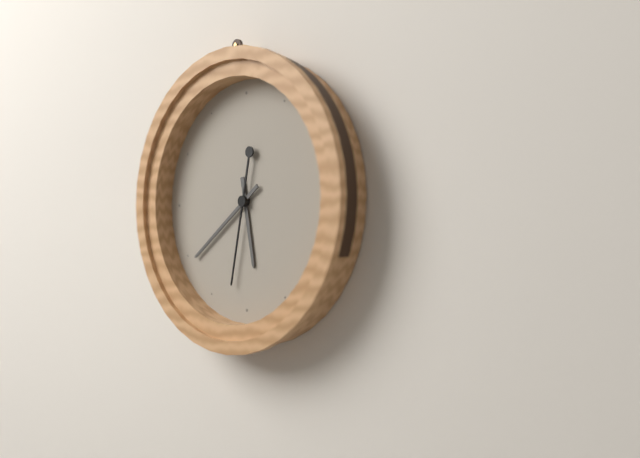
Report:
**5:39:32**
